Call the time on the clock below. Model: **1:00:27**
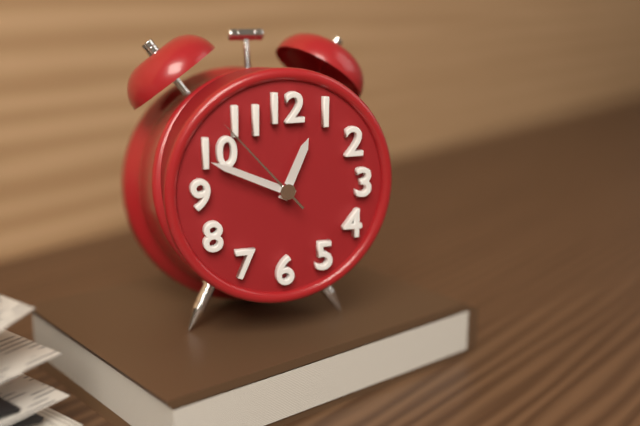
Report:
**12:49:53**
